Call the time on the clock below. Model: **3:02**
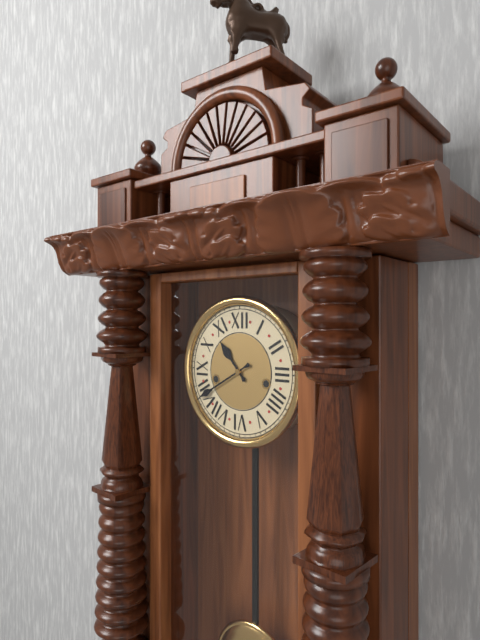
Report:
**10:40**
